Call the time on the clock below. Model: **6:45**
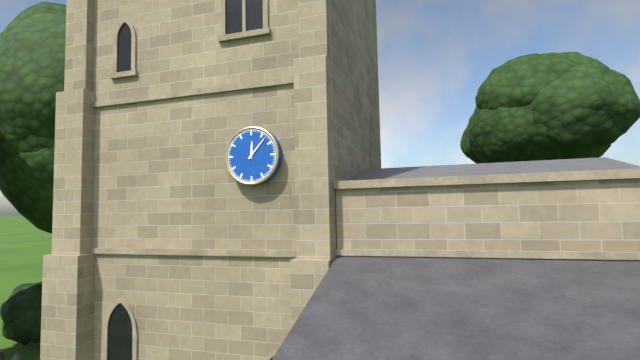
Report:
**12:07**
